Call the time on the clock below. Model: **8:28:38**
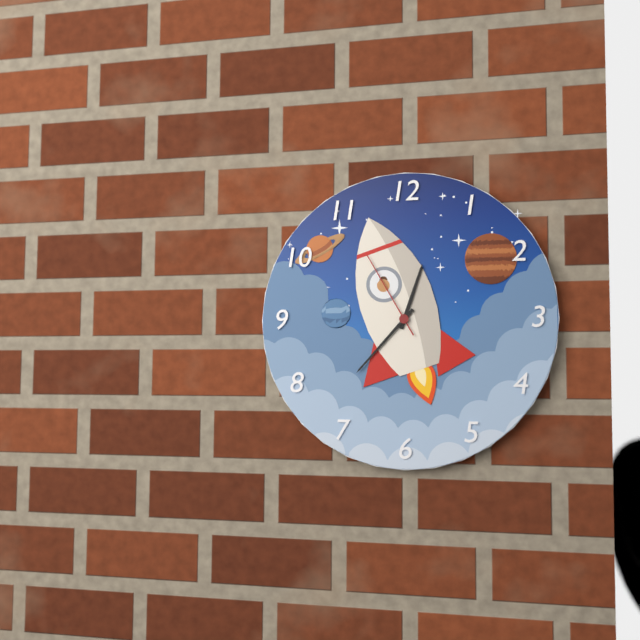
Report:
**12:37:55**
